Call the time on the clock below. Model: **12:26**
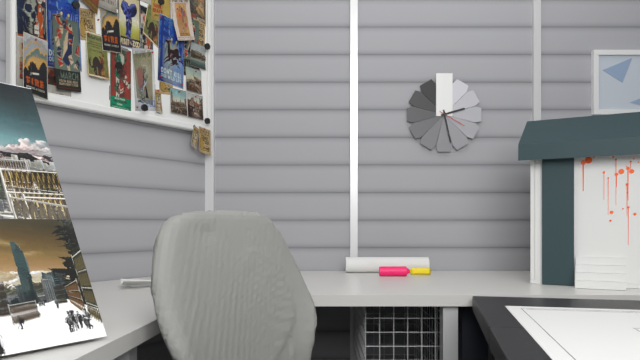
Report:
**2:28**
